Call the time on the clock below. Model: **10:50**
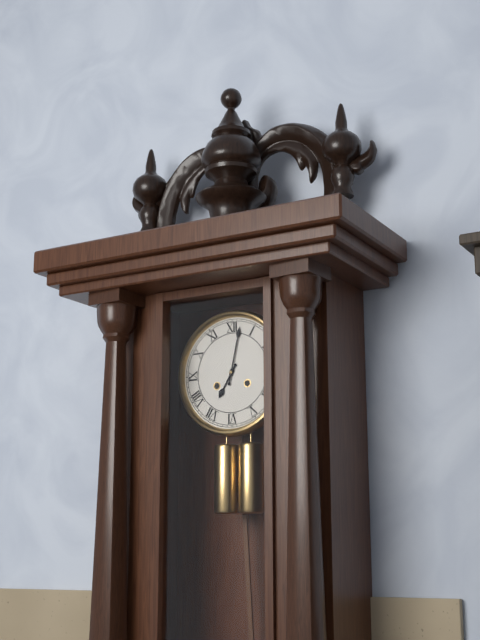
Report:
**7:02**
